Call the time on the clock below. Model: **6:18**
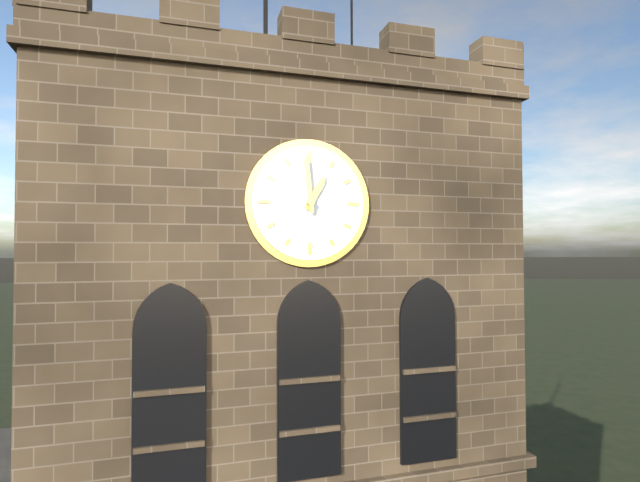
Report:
**12:59**
